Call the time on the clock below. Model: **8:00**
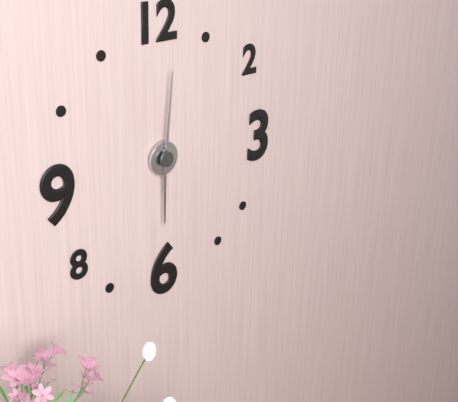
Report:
**6:01**
